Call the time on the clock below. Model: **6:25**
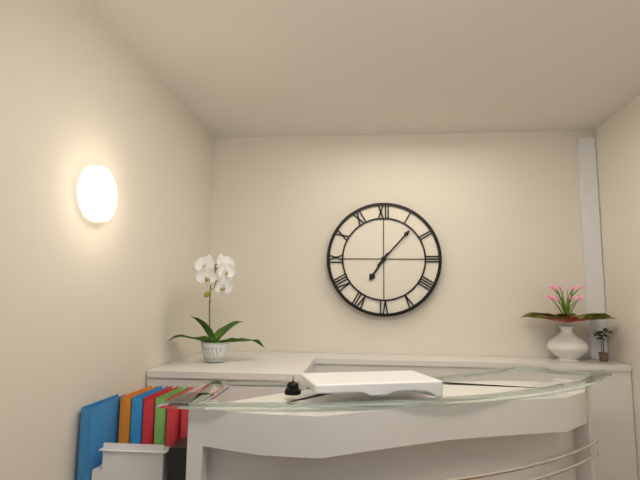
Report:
**7:07**
